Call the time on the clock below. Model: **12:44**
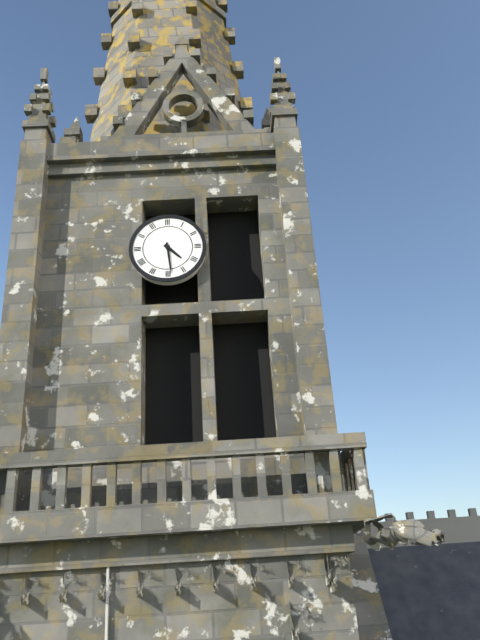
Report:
**4:29**
